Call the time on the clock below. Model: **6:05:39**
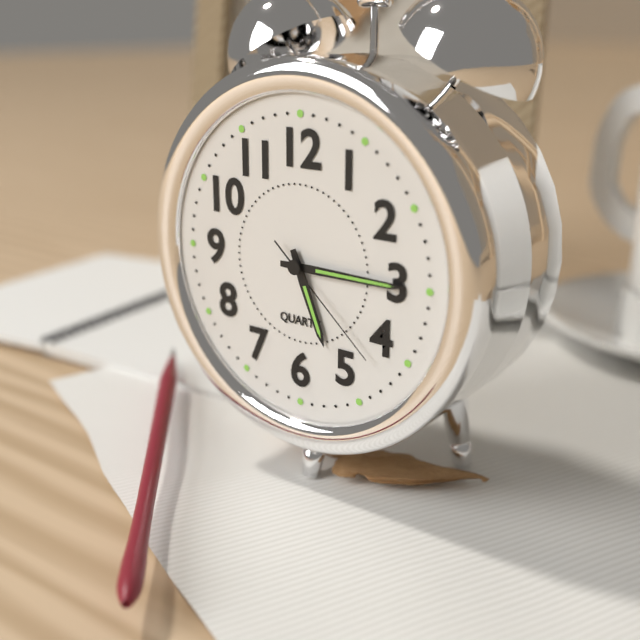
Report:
**5:15:22**
